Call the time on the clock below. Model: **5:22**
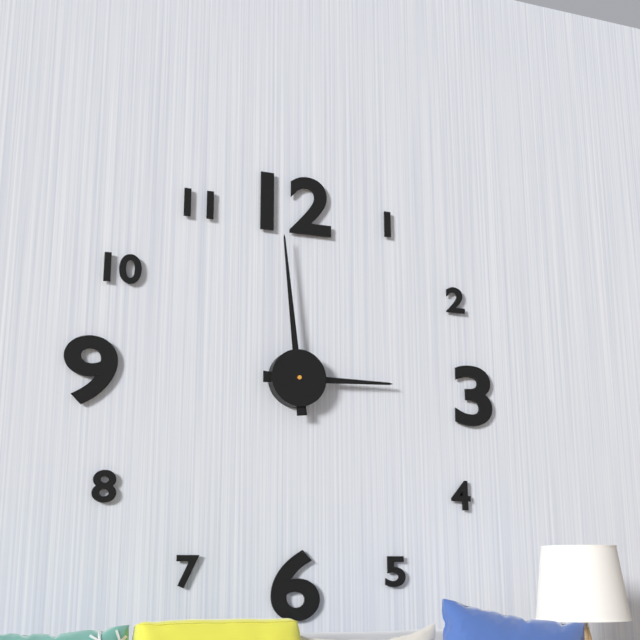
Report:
**2:59**
